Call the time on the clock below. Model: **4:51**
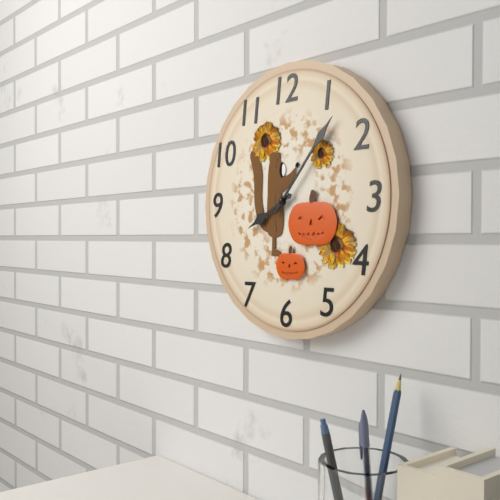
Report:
**8:07**
